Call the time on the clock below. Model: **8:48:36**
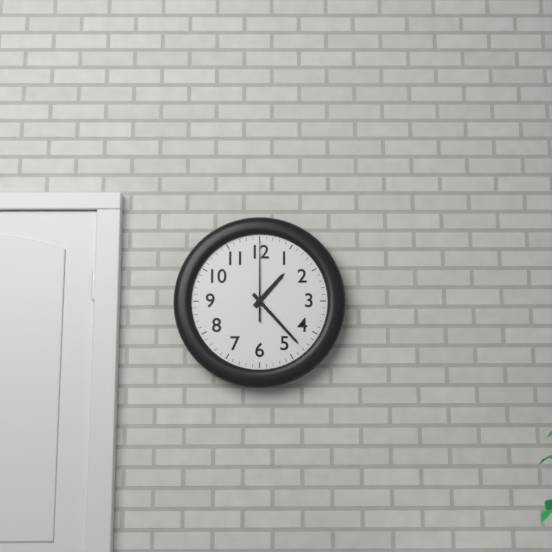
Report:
**1:23:00**
